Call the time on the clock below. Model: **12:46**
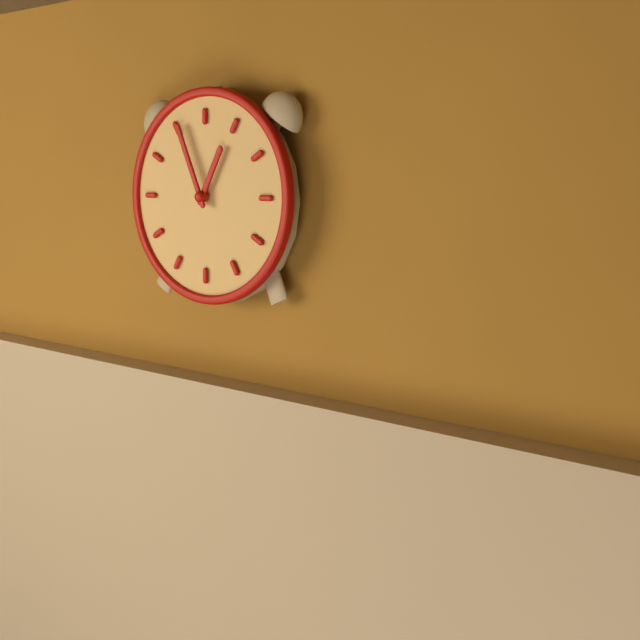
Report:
**12:56**
